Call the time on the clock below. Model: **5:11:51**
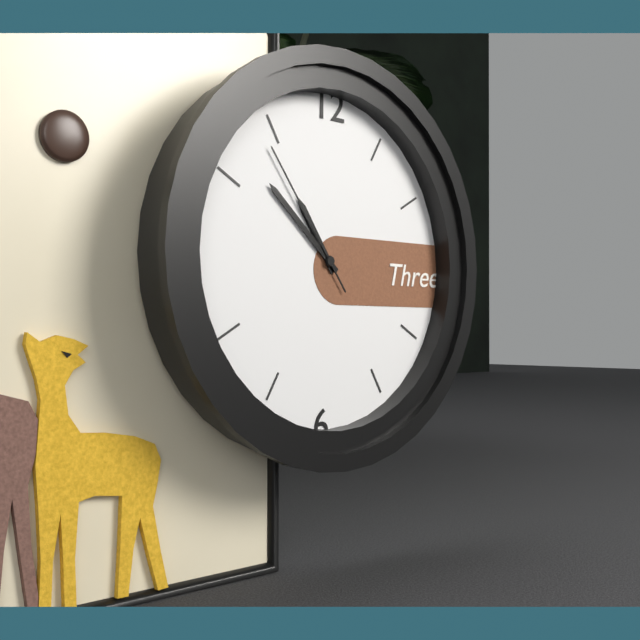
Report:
**10:52:54**
